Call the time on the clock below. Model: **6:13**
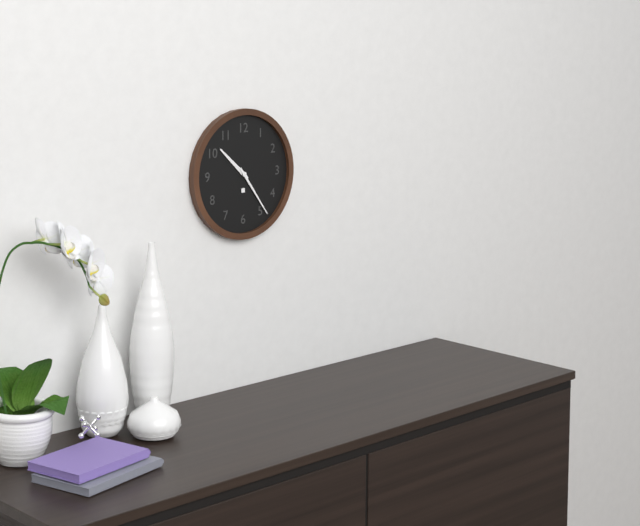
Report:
**10:24**
